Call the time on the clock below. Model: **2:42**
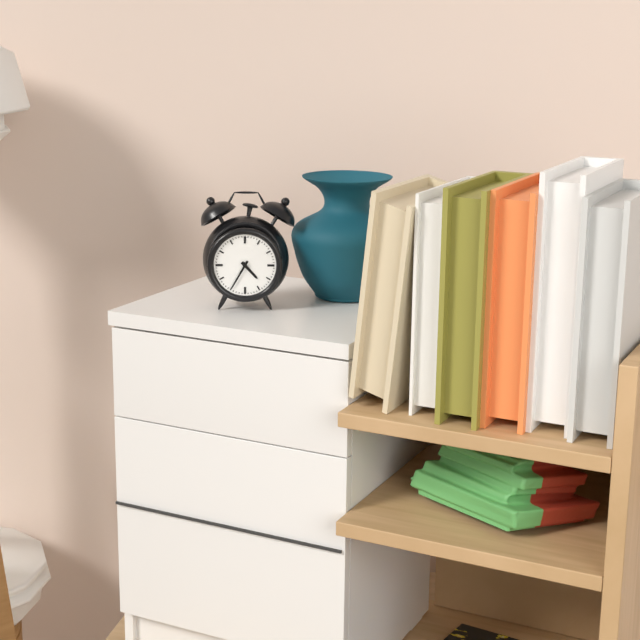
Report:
**4:35**
